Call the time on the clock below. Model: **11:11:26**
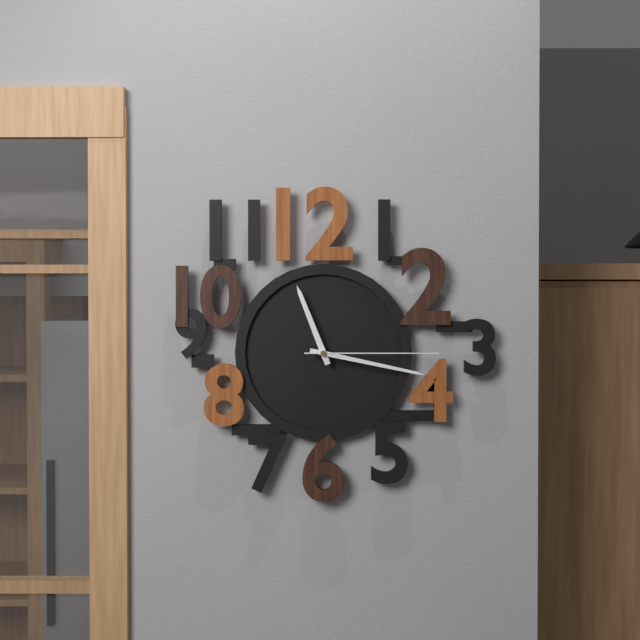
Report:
**11:17:15**
